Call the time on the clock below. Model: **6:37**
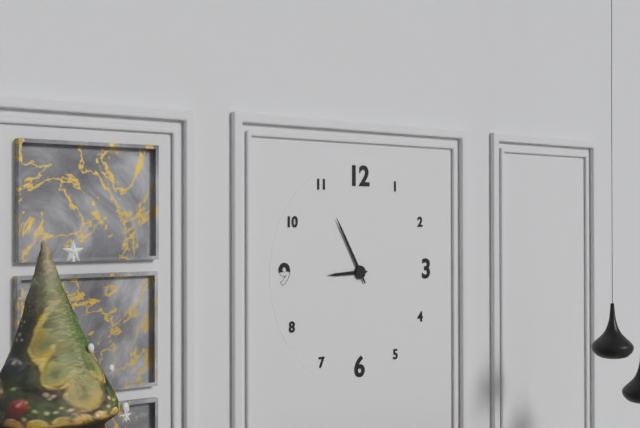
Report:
**8:55**
